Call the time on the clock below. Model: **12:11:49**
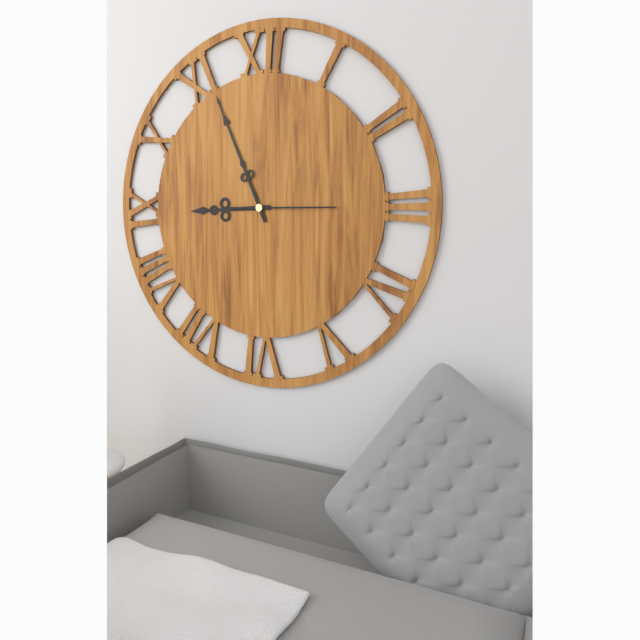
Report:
**8:56:15**
